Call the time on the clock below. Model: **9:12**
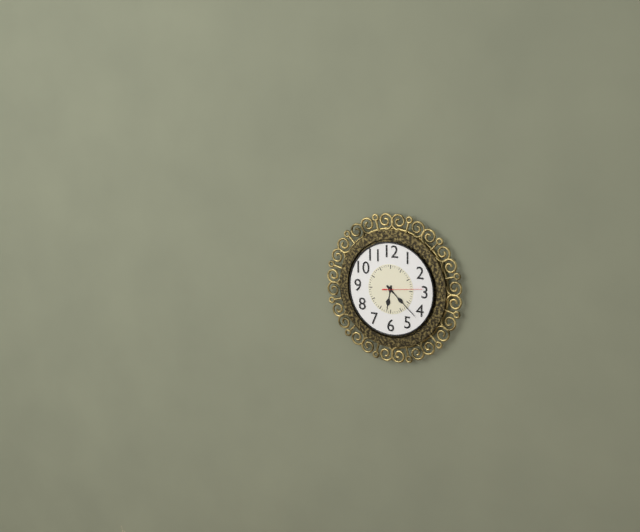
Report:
**6:22**
